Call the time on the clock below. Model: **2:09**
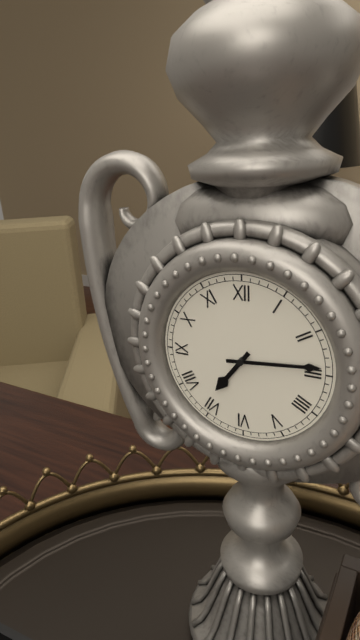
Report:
**7:14**
